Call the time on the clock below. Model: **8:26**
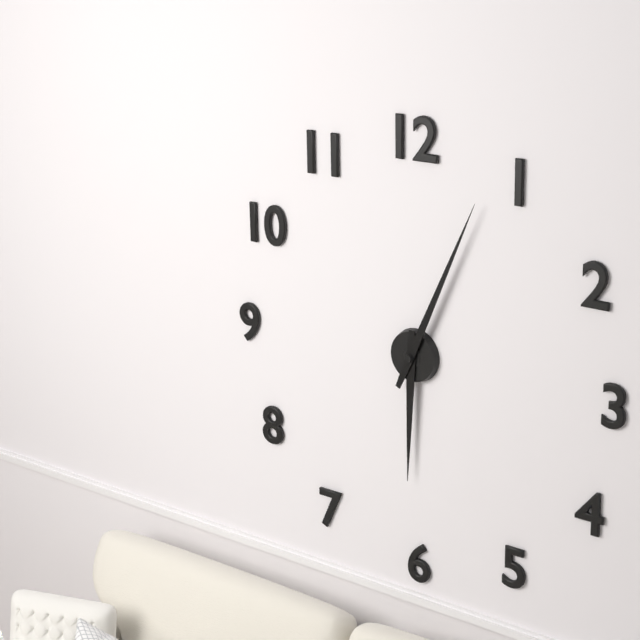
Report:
**6:04**
